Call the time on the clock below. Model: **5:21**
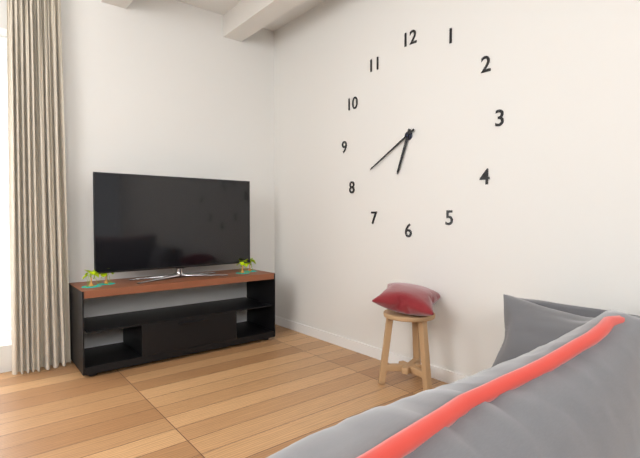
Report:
**6:40**
